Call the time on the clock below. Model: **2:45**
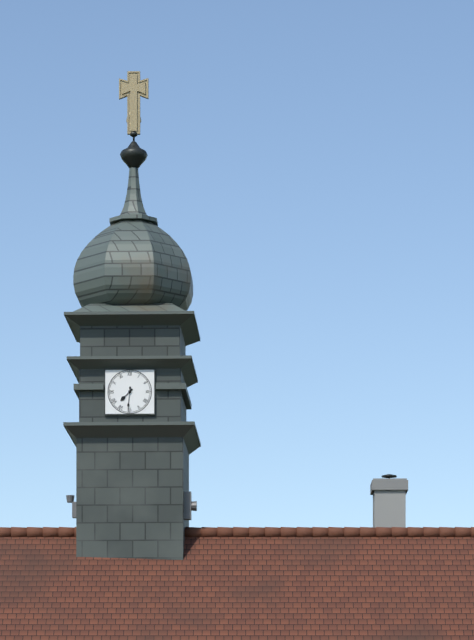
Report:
**7:31**
